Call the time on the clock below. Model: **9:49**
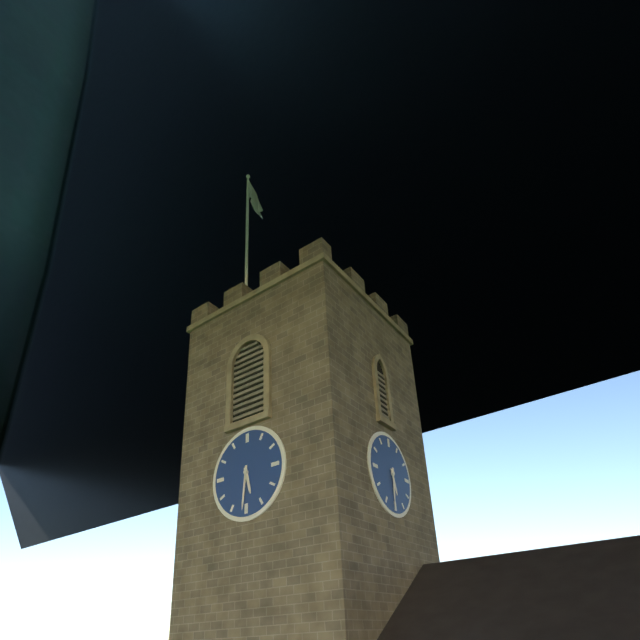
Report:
**5:31**
